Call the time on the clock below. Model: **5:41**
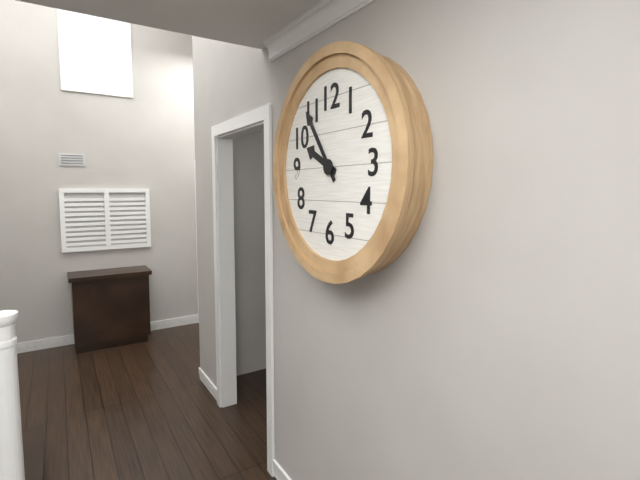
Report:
**9:54**
